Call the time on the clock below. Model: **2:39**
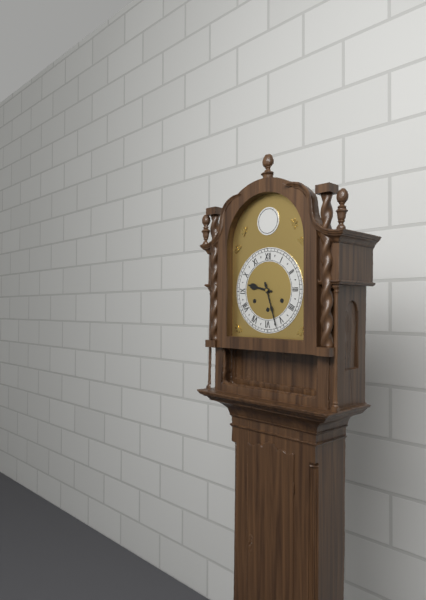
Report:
**9:27**
